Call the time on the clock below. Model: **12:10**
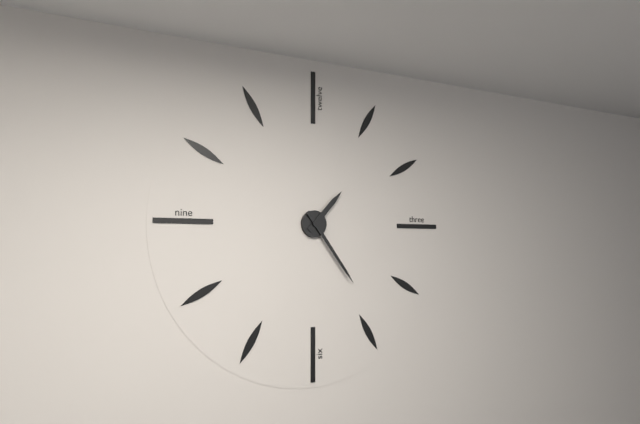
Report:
**1:24**
